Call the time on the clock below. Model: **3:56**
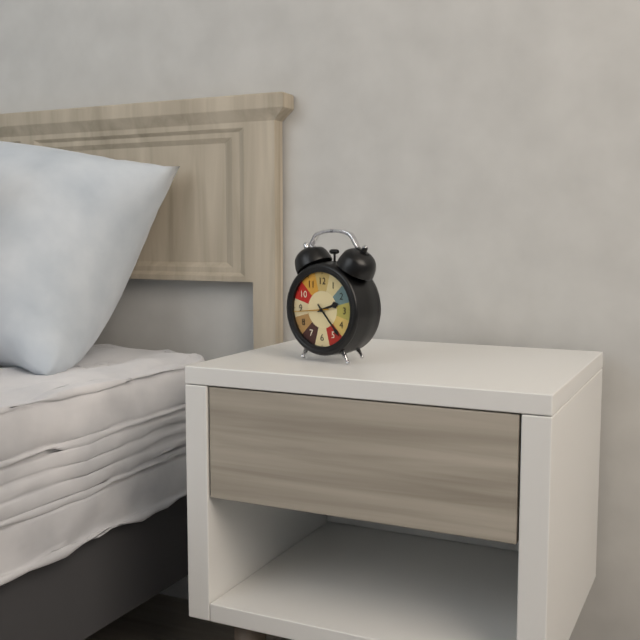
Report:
**2:23**
